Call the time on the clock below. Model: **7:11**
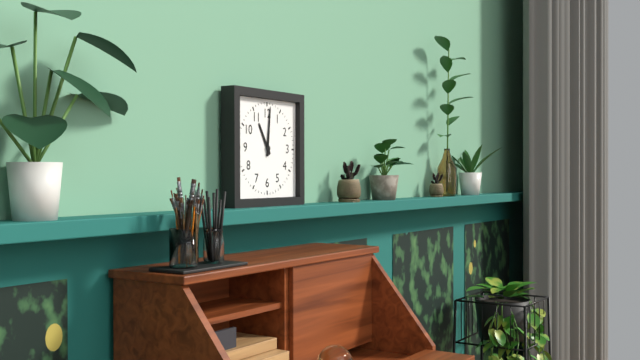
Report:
**11:01**
